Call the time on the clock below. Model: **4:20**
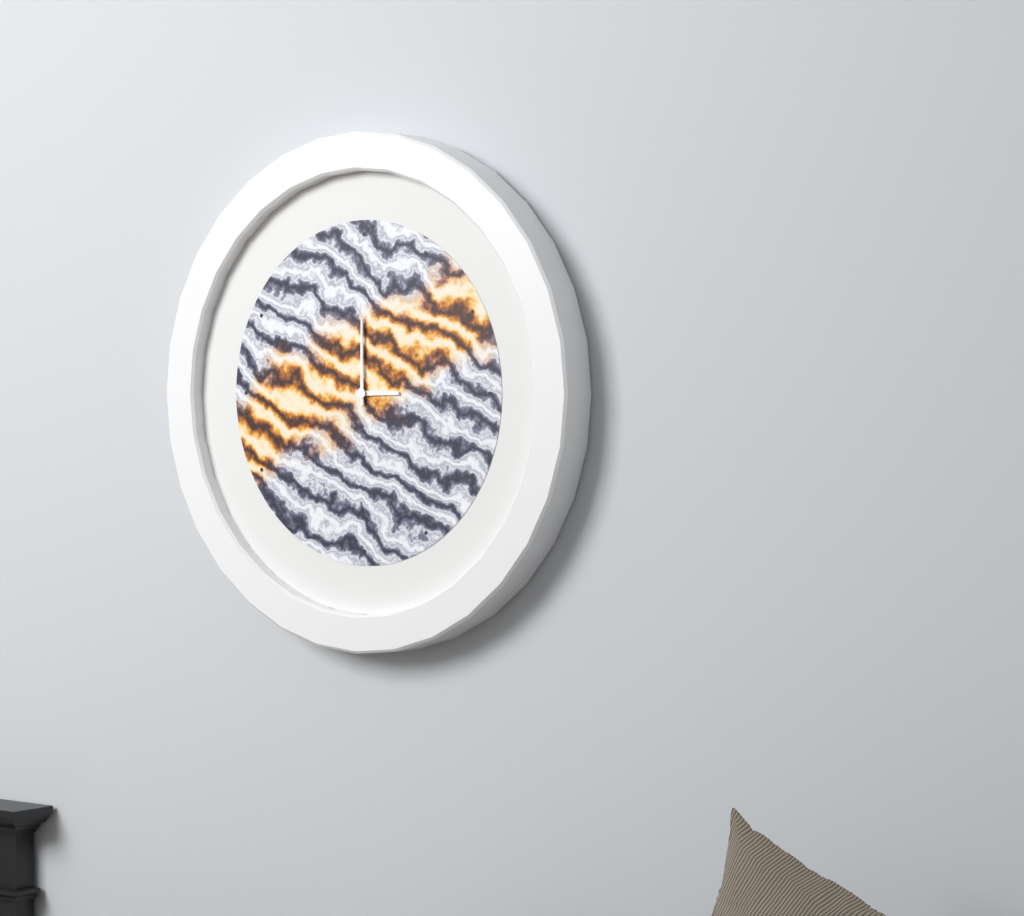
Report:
**3:00**
